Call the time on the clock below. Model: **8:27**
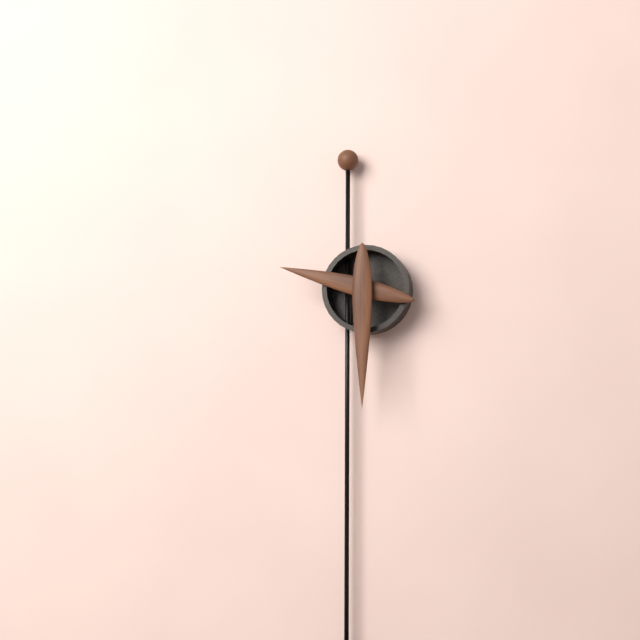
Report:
**9:30**
